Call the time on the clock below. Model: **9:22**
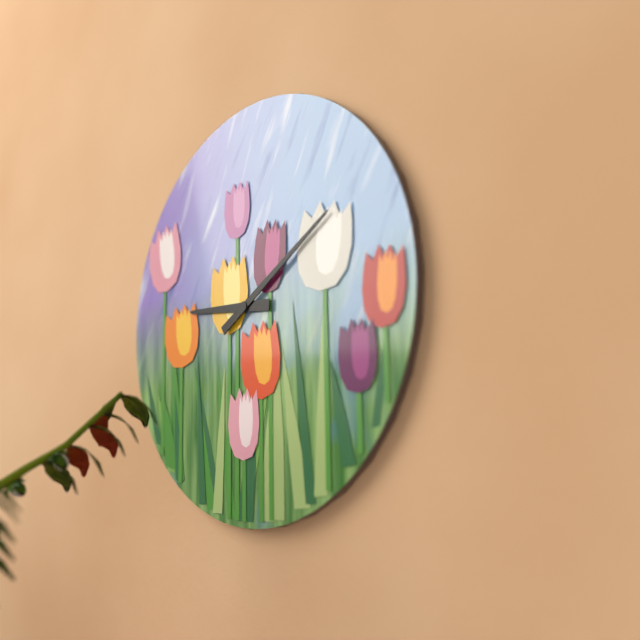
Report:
**9:10**
